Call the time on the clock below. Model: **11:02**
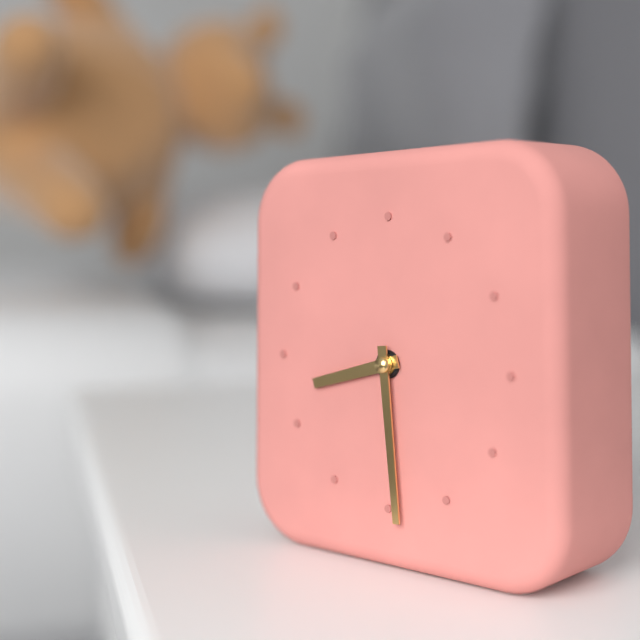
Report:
**8:29**
